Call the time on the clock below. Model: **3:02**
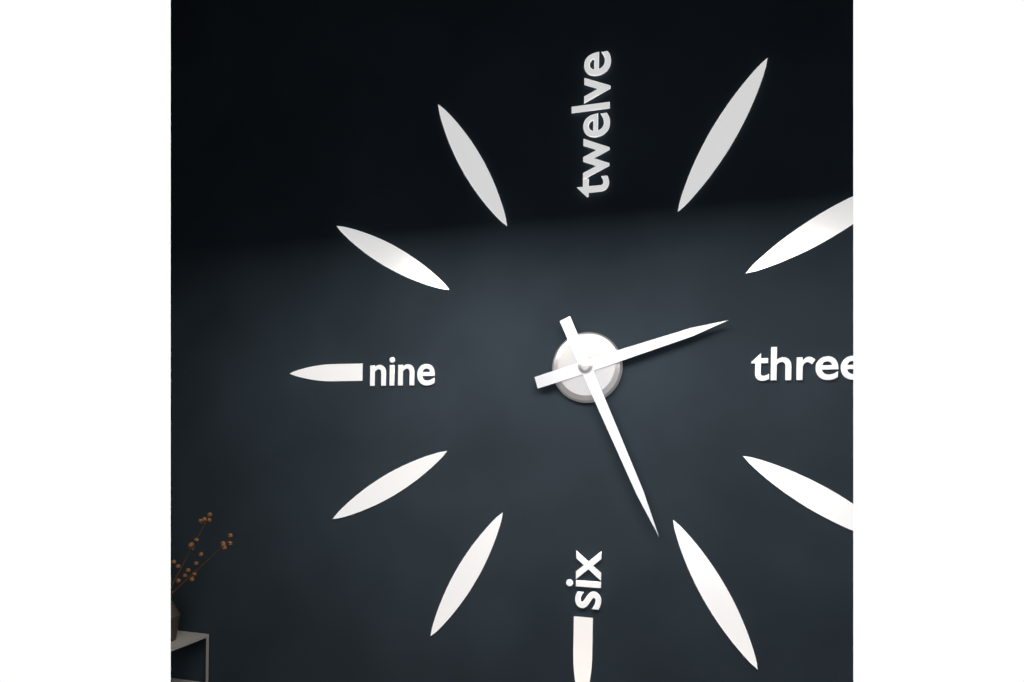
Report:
**2:26**
